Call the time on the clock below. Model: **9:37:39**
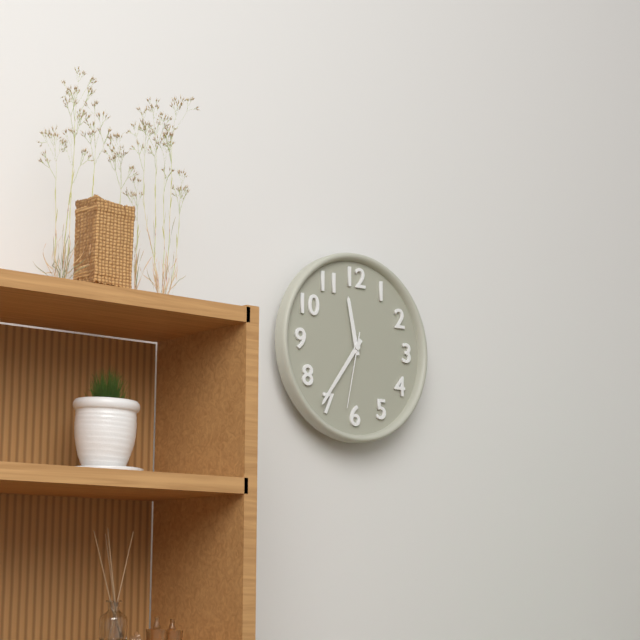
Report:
**11:36:32**
